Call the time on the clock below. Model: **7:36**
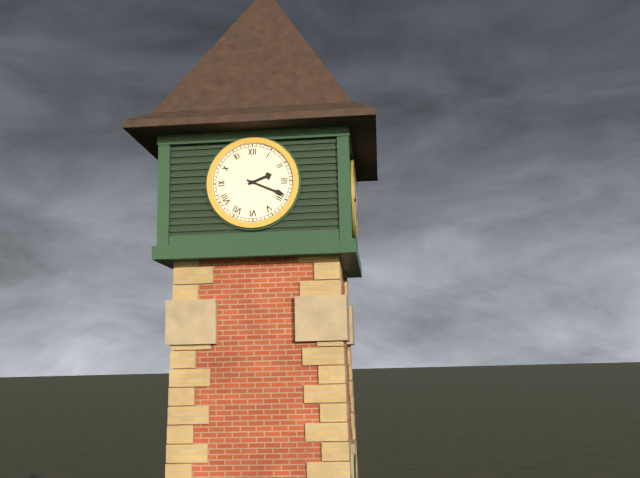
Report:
**2:19**
